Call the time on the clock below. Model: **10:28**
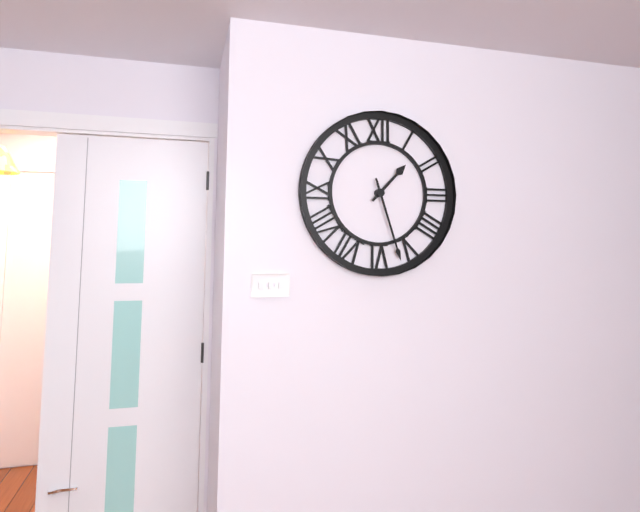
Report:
**1:27**
